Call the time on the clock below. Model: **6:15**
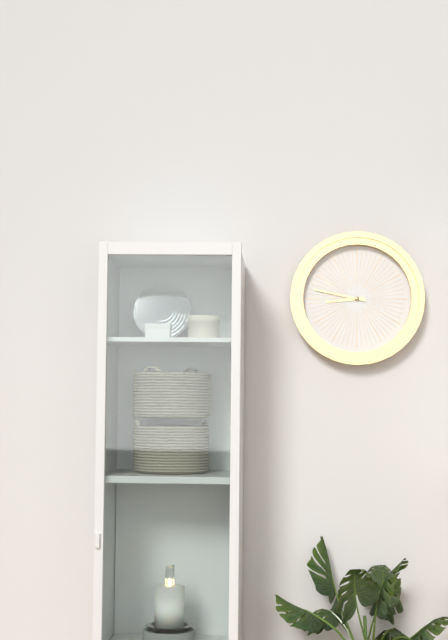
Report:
**8:47**
